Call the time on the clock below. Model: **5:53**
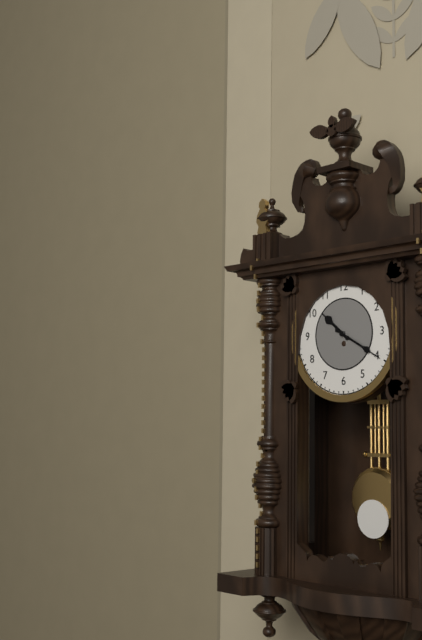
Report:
**10:20**
